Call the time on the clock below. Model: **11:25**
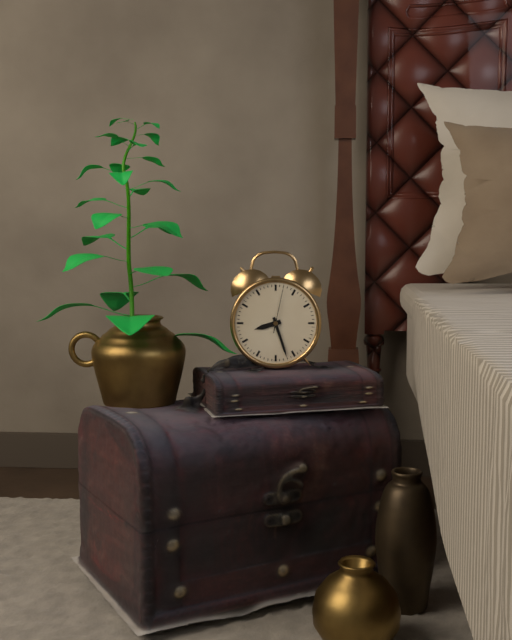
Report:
**8:27**
